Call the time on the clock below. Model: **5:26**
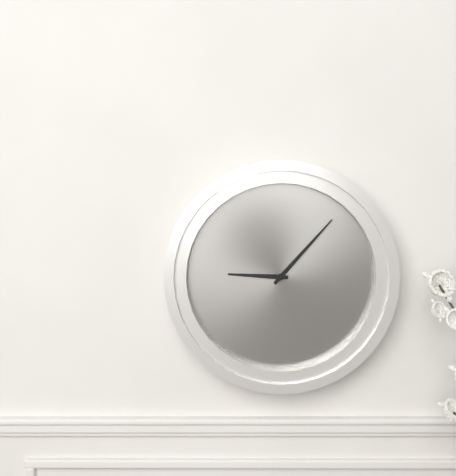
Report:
**9:07**
